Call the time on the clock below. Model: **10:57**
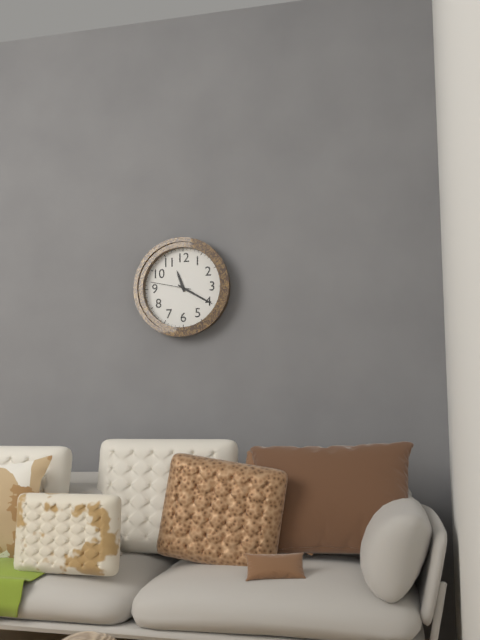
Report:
**11:20**
